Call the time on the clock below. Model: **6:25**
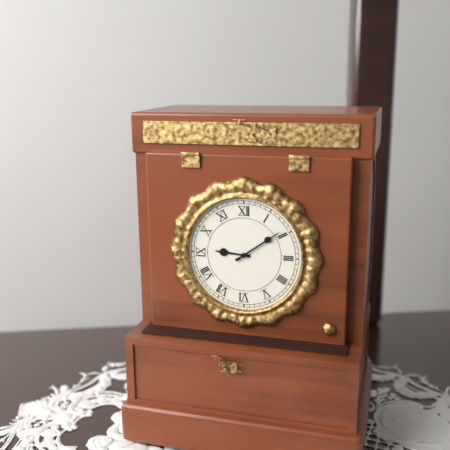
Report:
**9:09**
